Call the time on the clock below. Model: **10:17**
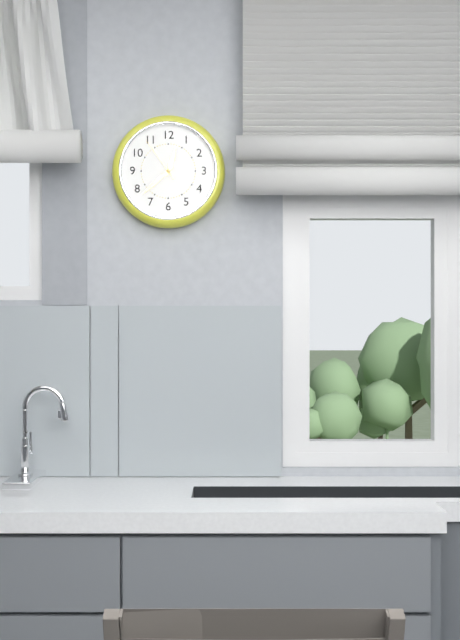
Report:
**12:38**
